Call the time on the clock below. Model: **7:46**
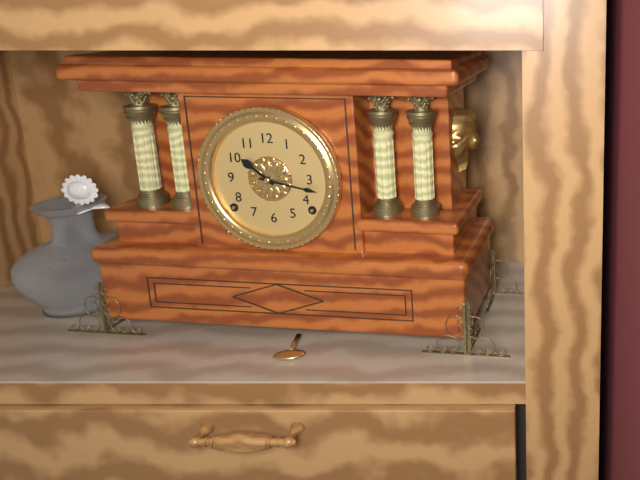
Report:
**10:17**
